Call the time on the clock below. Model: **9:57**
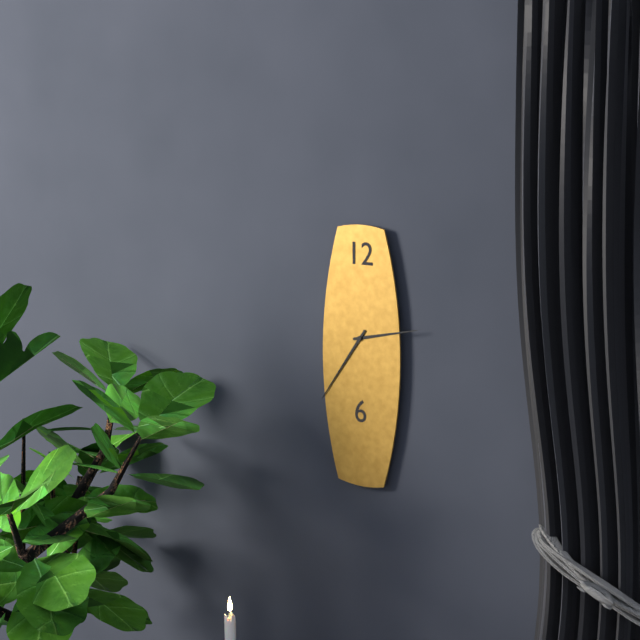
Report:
**2:36**
